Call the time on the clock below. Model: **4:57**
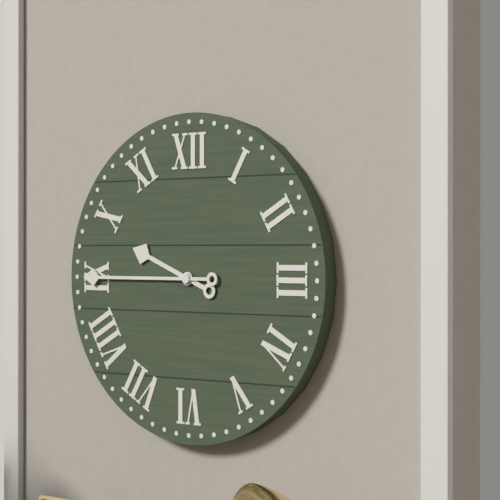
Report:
**9:45**
